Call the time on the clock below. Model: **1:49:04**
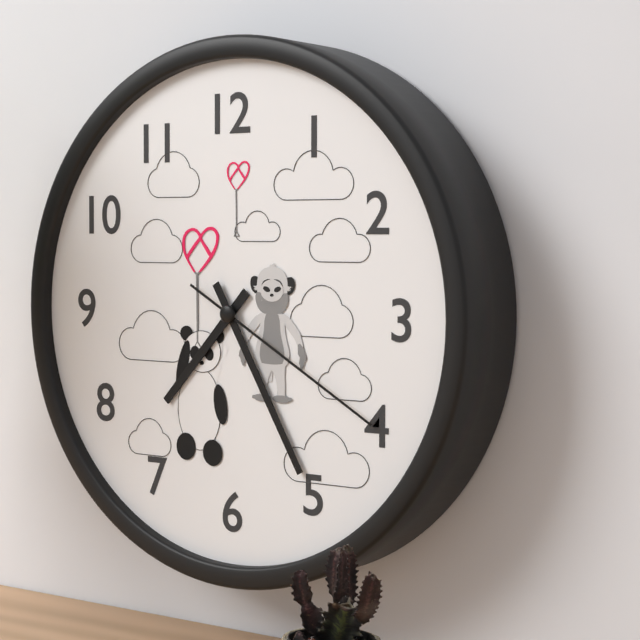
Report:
**7:25:20**
